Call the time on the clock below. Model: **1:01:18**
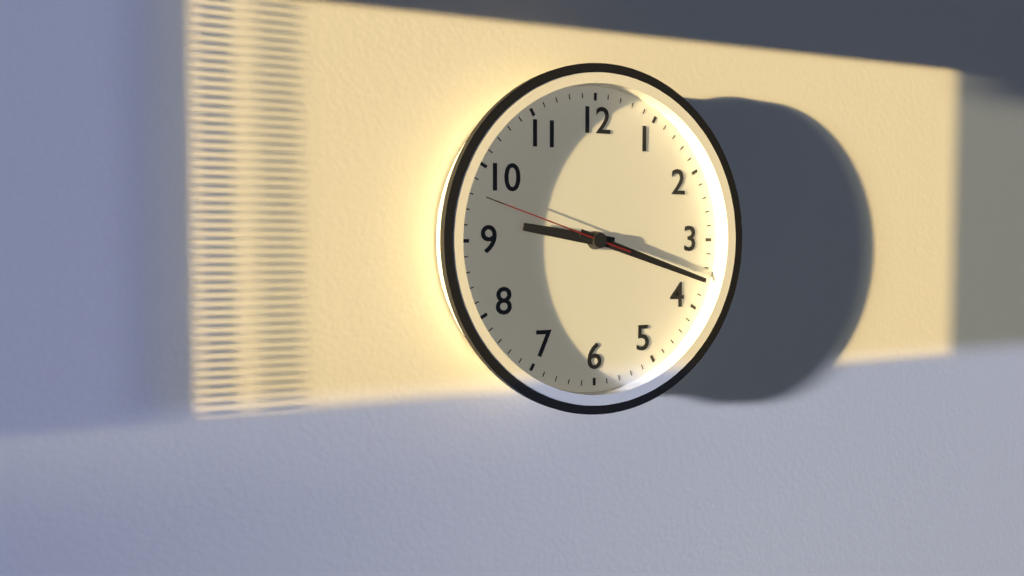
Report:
**9:18:48**
